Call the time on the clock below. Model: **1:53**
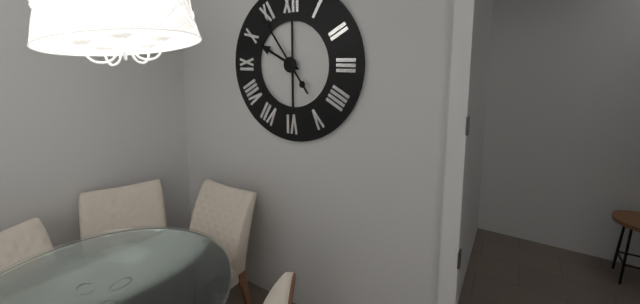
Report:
**9:54**
